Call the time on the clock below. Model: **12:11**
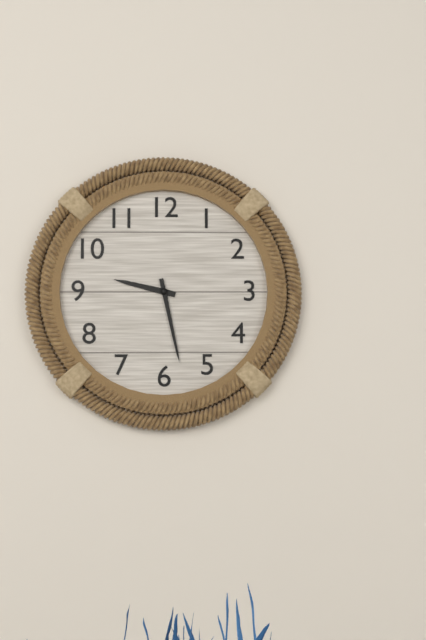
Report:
**9:28**
